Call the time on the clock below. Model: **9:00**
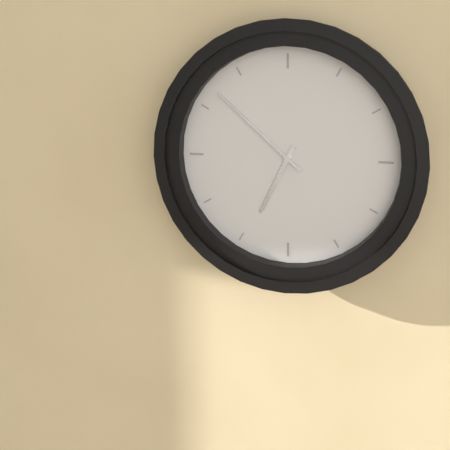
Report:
**6:52**
